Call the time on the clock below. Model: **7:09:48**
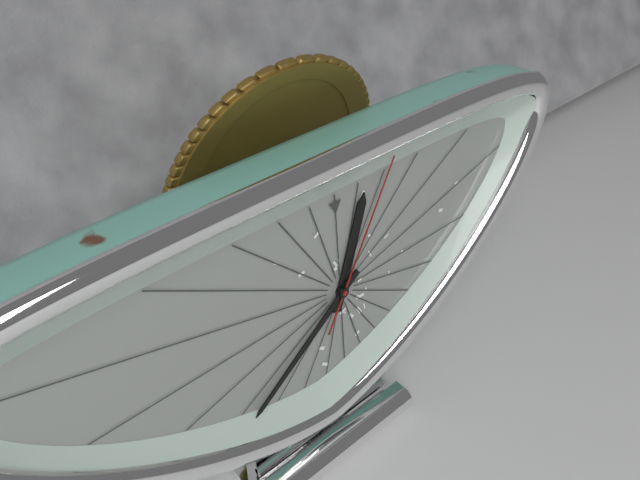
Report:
**12:39:05**
